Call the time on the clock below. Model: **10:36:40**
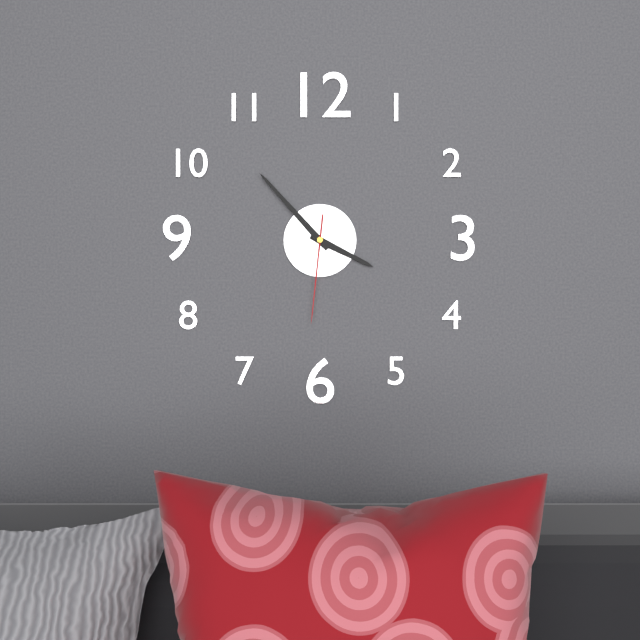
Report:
**3:53:31**
